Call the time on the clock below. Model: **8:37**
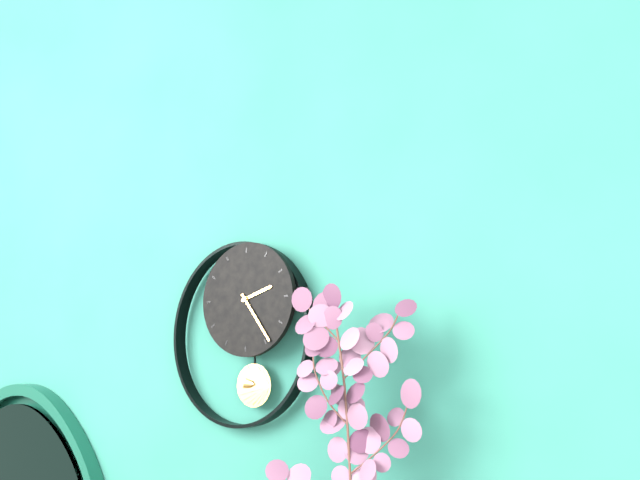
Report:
**2:24**
